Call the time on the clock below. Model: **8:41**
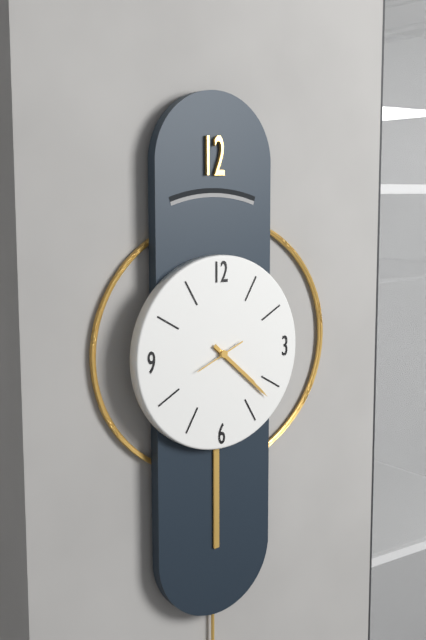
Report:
**4:22**
